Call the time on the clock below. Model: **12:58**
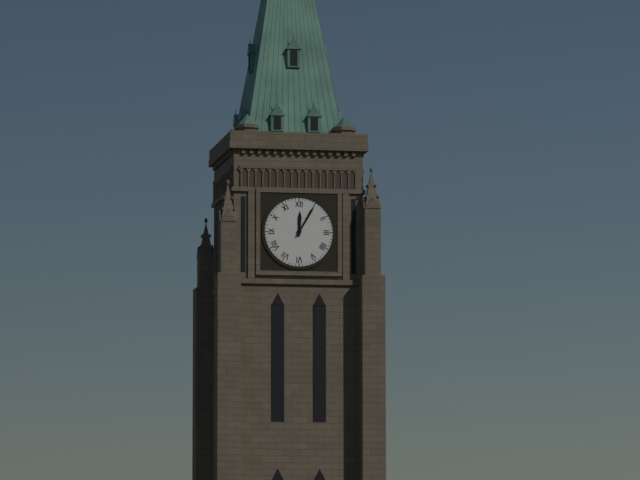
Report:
**12:05**
